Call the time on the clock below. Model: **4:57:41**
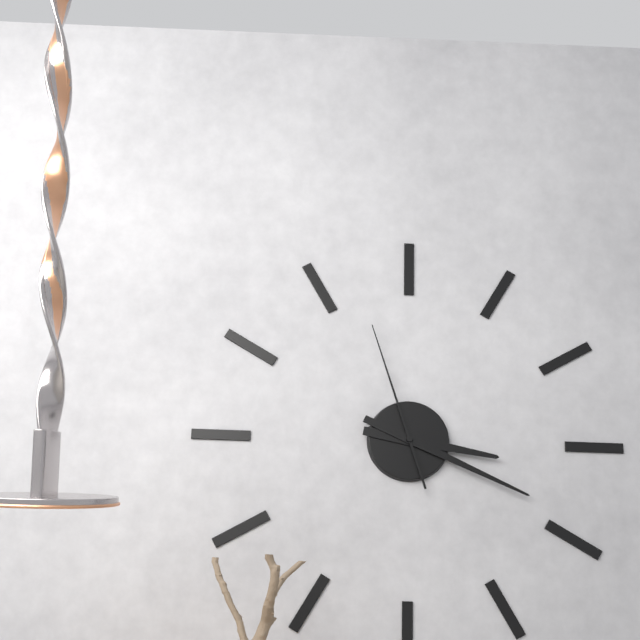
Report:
**3:19:57**
